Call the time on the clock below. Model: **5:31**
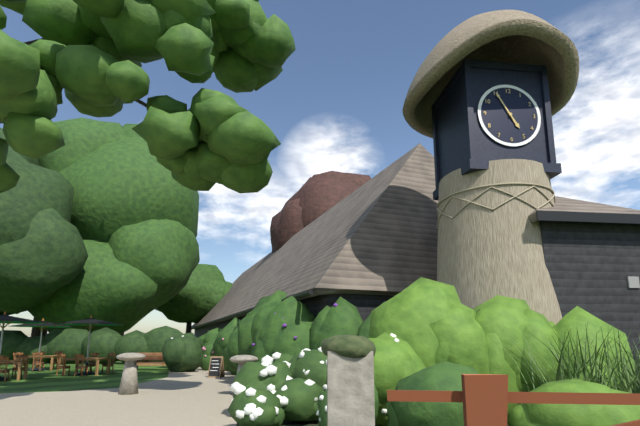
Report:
**4:55**
